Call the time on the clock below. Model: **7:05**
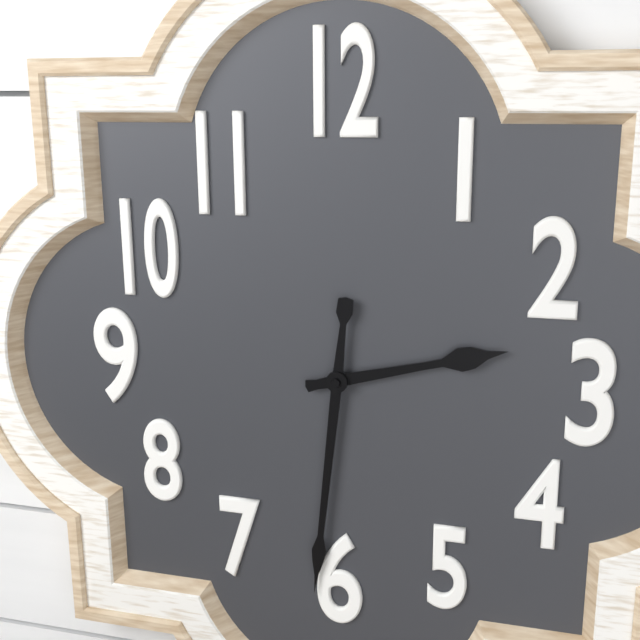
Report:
**2:31**
